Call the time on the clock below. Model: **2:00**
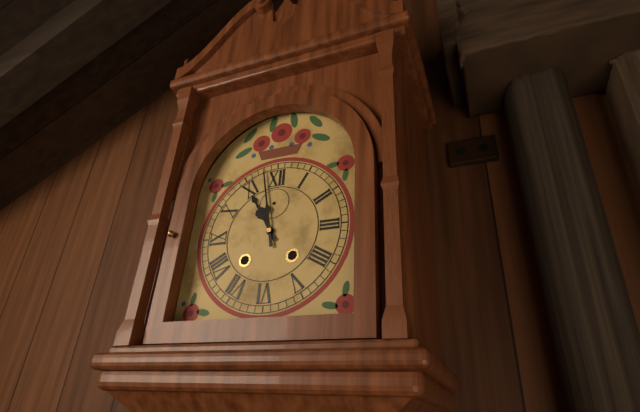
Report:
**10:58**
